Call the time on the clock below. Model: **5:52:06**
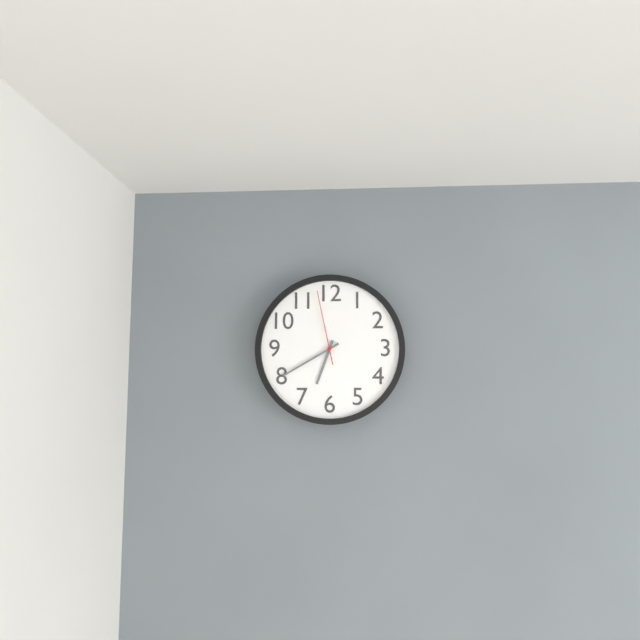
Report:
**6:40:58**
